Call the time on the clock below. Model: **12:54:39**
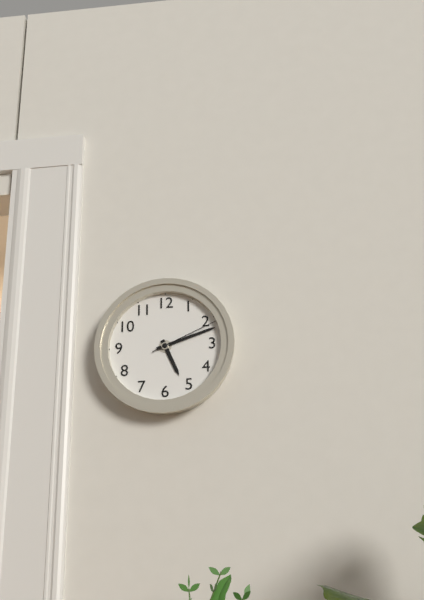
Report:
**5:12:11**
